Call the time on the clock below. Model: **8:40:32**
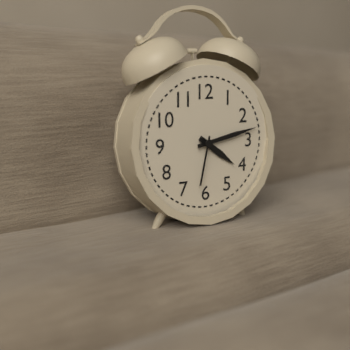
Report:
**4:13:32**
